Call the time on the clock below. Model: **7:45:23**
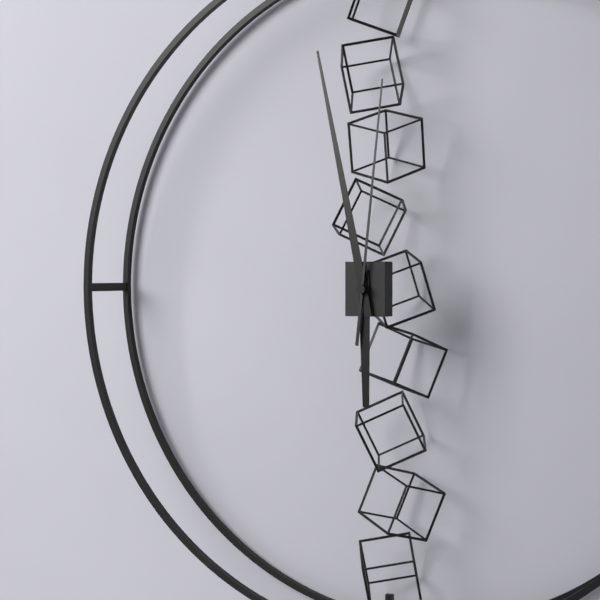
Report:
**5:58:01**
